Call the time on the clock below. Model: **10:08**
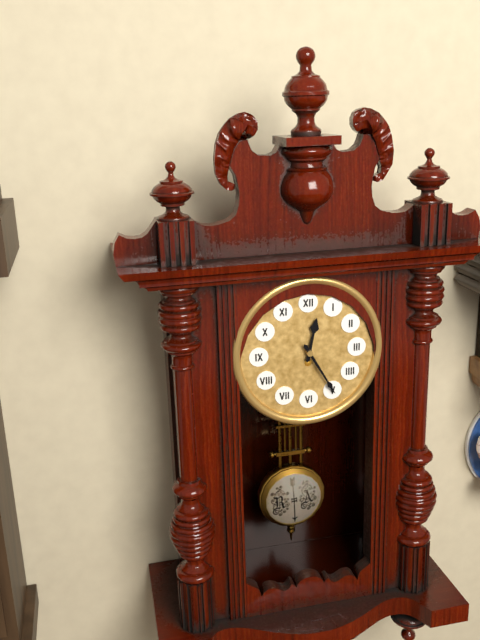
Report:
**12:25**
